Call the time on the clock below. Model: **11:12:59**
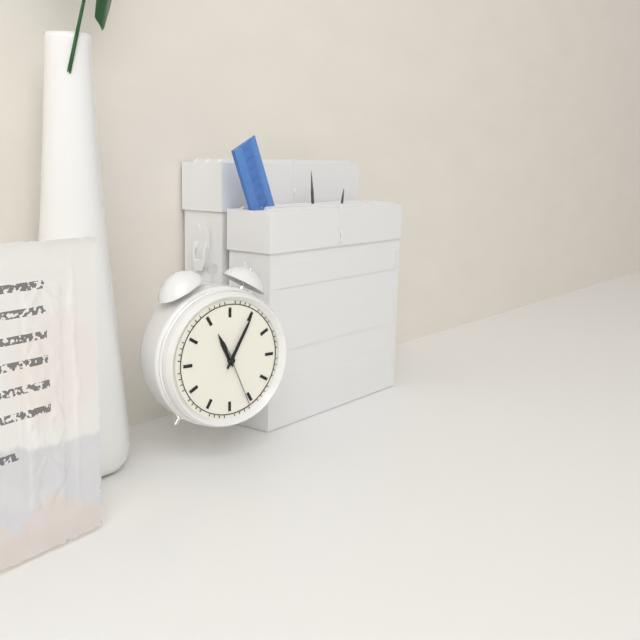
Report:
**11:05:26**
